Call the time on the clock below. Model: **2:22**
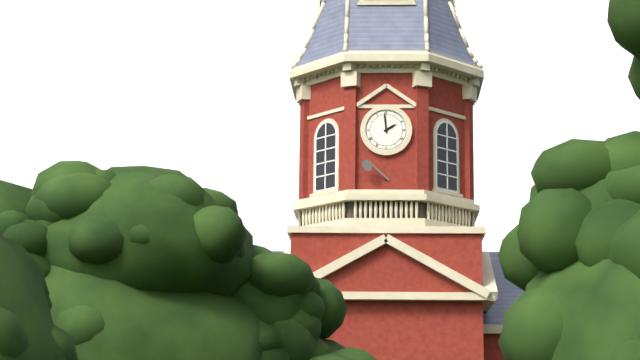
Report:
**1:59**
